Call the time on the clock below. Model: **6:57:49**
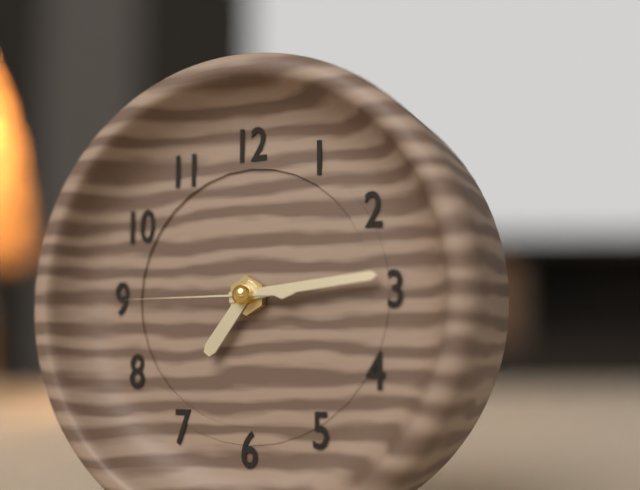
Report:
**7:14:45**
